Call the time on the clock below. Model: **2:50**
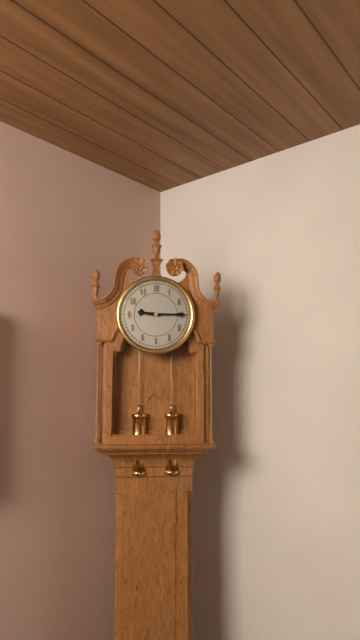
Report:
**9:15**
